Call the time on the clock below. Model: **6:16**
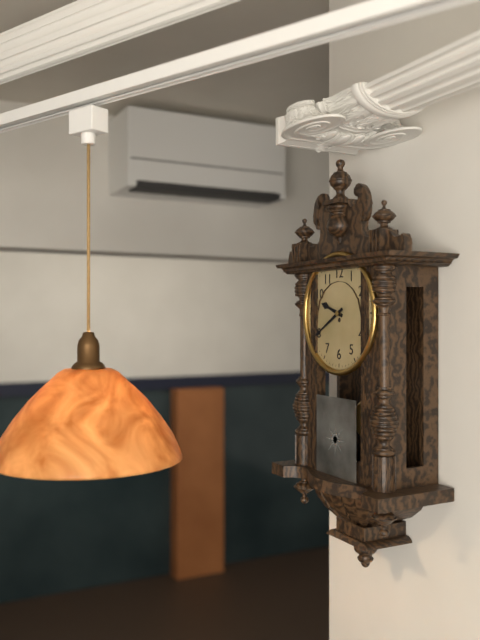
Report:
**9:40**
